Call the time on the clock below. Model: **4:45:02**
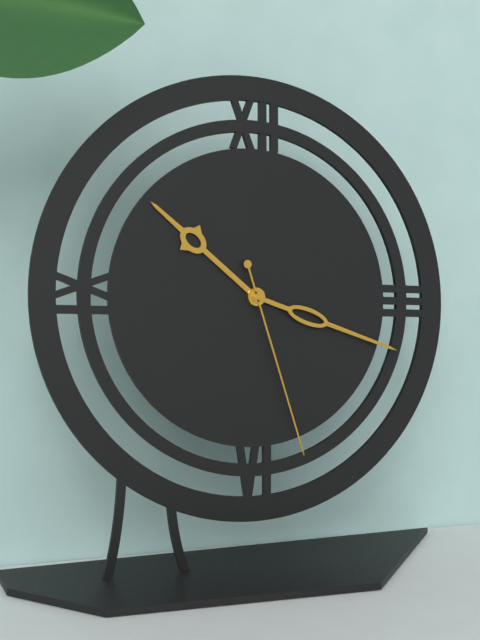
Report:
**10:18:27**
